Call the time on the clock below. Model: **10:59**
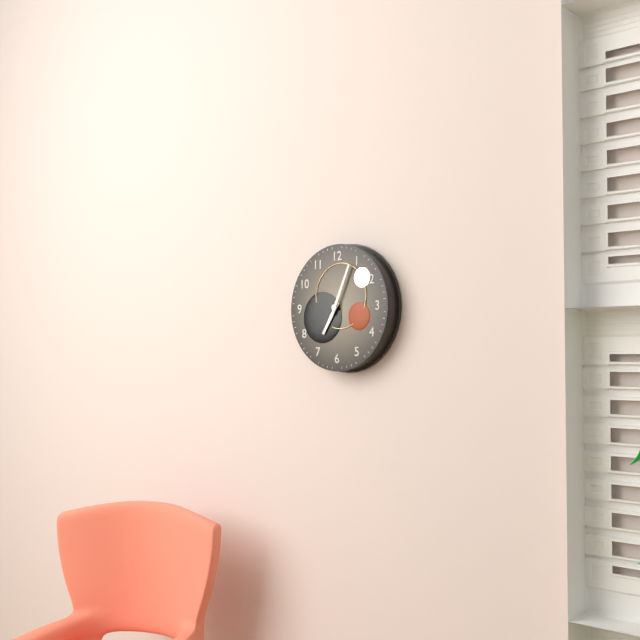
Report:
**7:04**
